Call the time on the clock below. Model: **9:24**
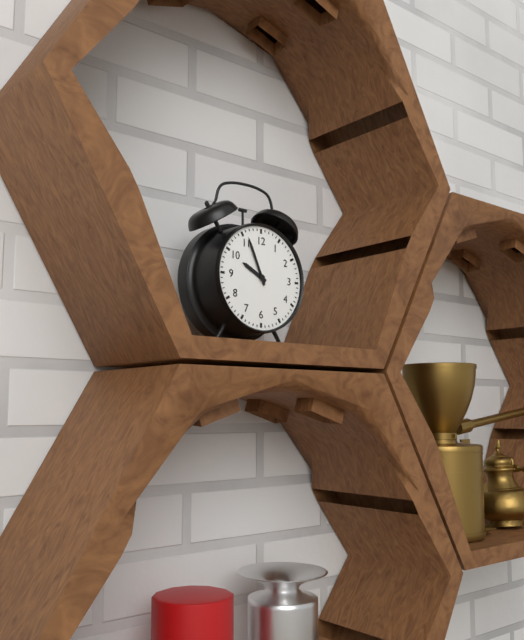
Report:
**9:56**
